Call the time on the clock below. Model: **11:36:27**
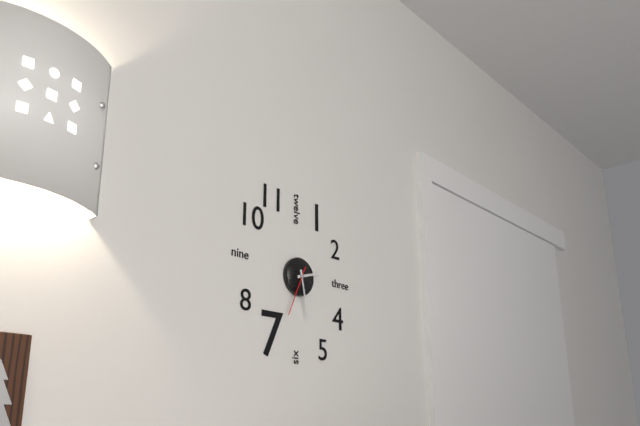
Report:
**2:28:34**
